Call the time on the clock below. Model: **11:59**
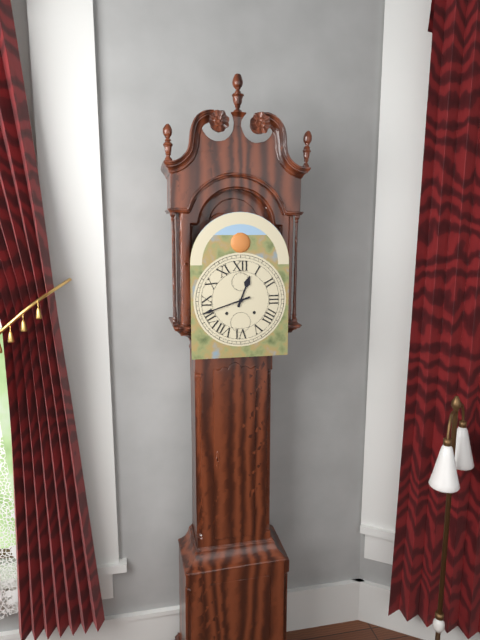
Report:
**12:42**
